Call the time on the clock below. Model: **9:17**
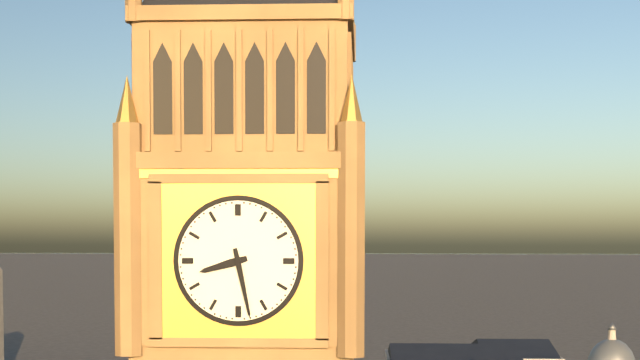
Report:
**8:28**
